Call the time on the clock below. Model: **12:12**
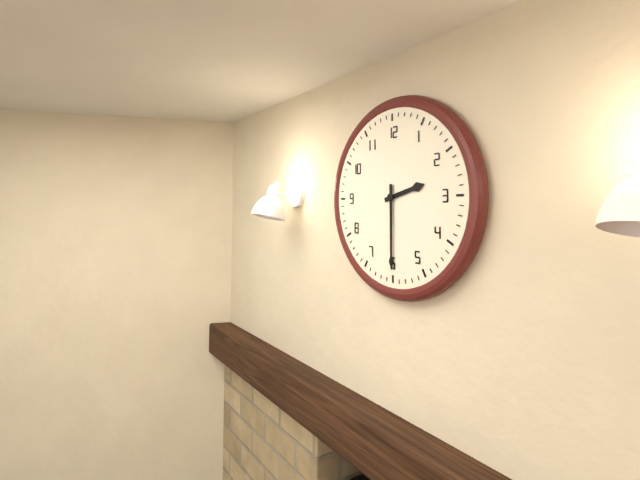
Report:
**2:30**
